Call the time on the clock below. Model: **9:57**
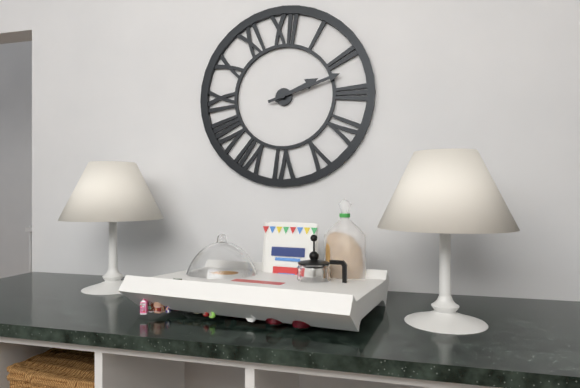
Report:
**2:12**
